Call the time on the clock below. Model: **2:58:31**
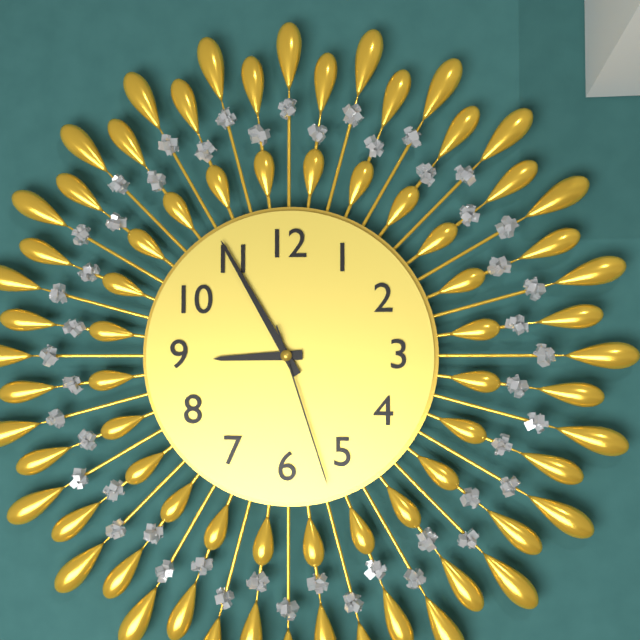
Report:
**8:55:27**
